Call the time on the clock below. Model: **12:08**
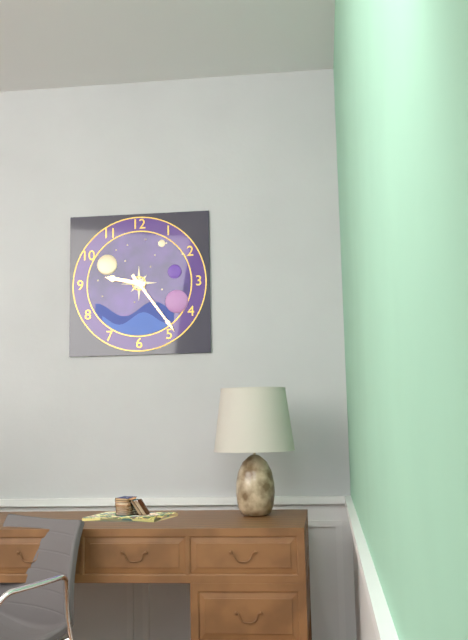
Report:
**9:24**
